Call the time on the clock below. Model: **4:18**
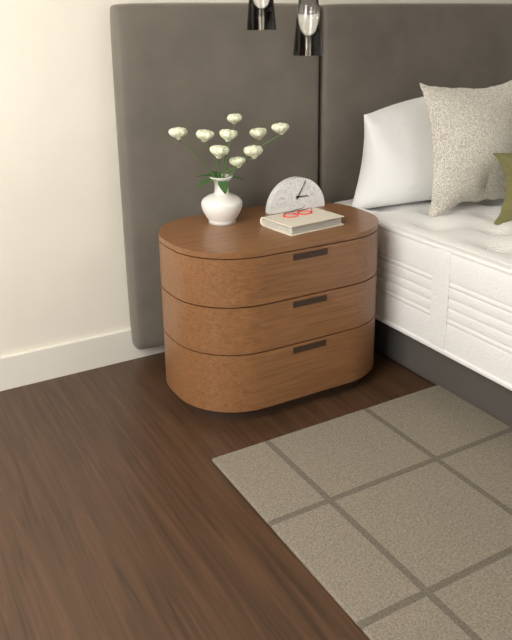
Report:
**3:05**
